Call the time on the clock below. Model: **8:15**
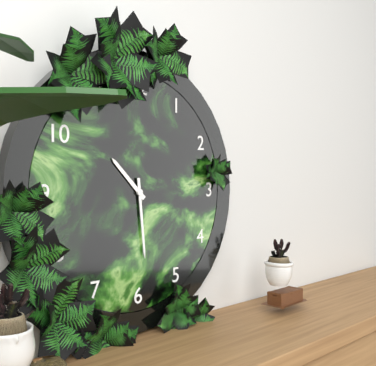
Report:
**10:29**
